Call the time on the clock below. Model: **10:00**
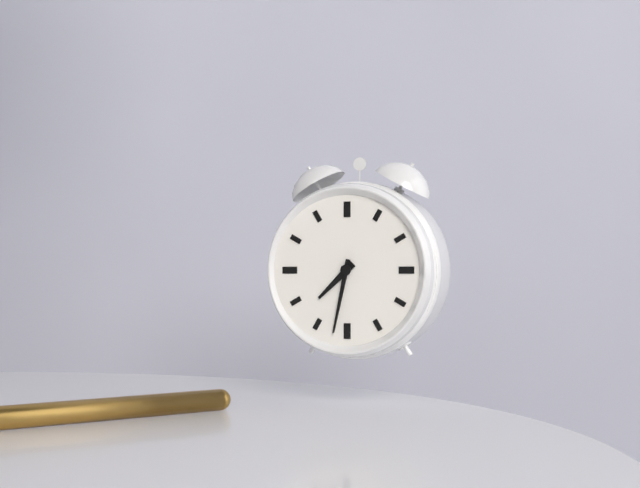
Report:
**7:32**
